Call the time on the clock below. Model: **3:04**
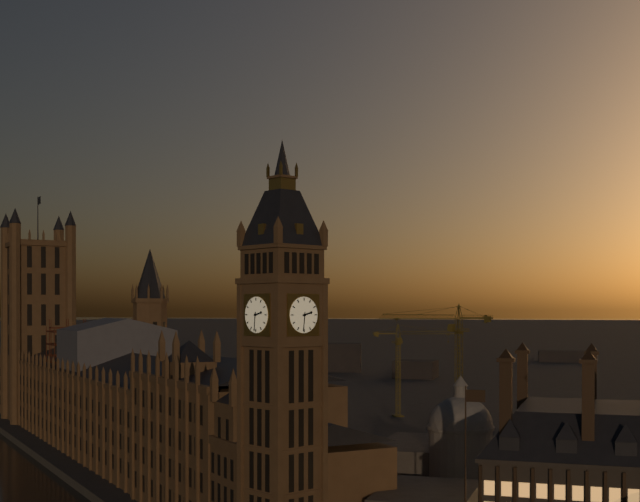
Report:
**2:31**
